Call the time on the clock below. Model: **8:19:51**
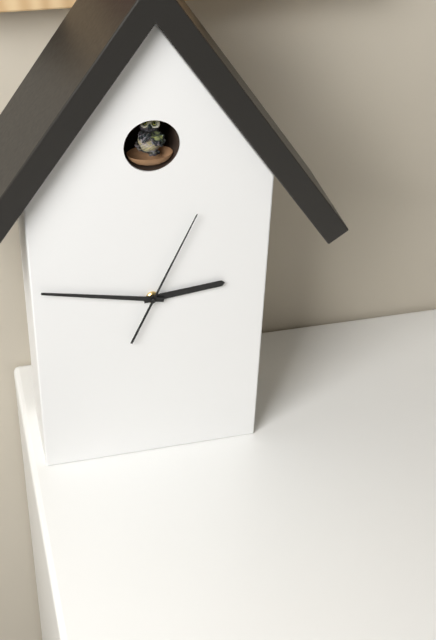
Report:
**2:47:04**
